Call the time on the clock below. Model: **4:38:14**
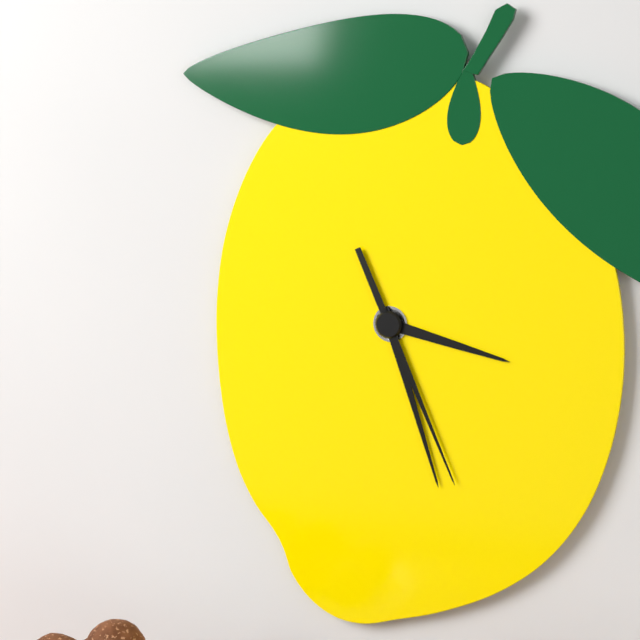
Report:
**3:27:26**
